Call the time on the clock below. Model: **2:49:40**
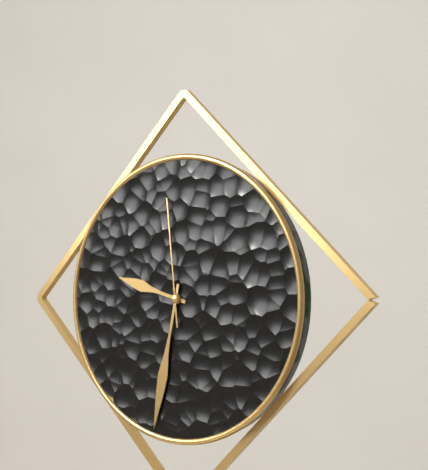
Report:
**9:32:59**
